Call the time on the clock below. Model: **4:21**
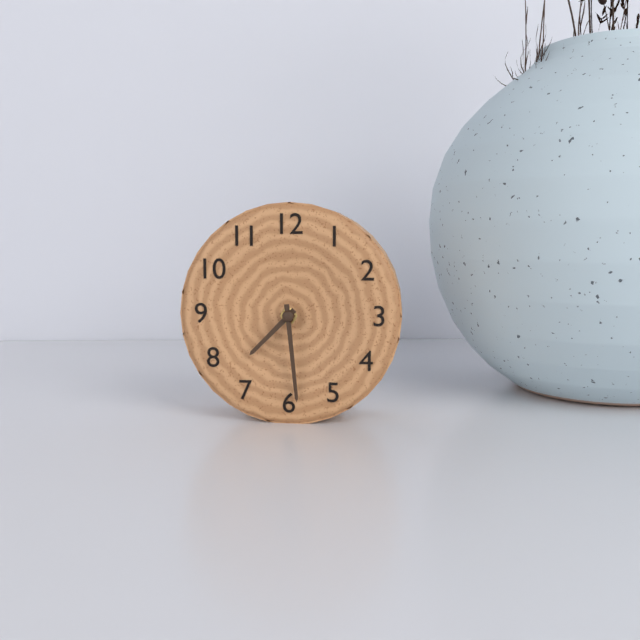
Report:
**7:29**
